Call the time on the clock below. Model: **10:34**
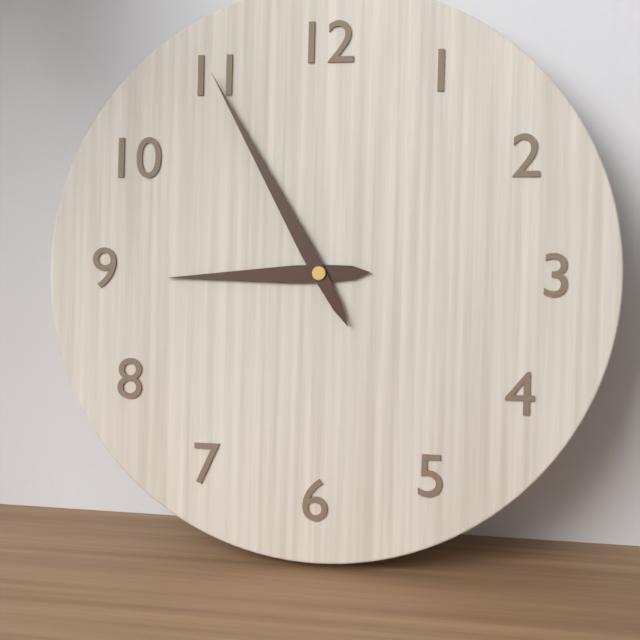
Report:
**8:55**
